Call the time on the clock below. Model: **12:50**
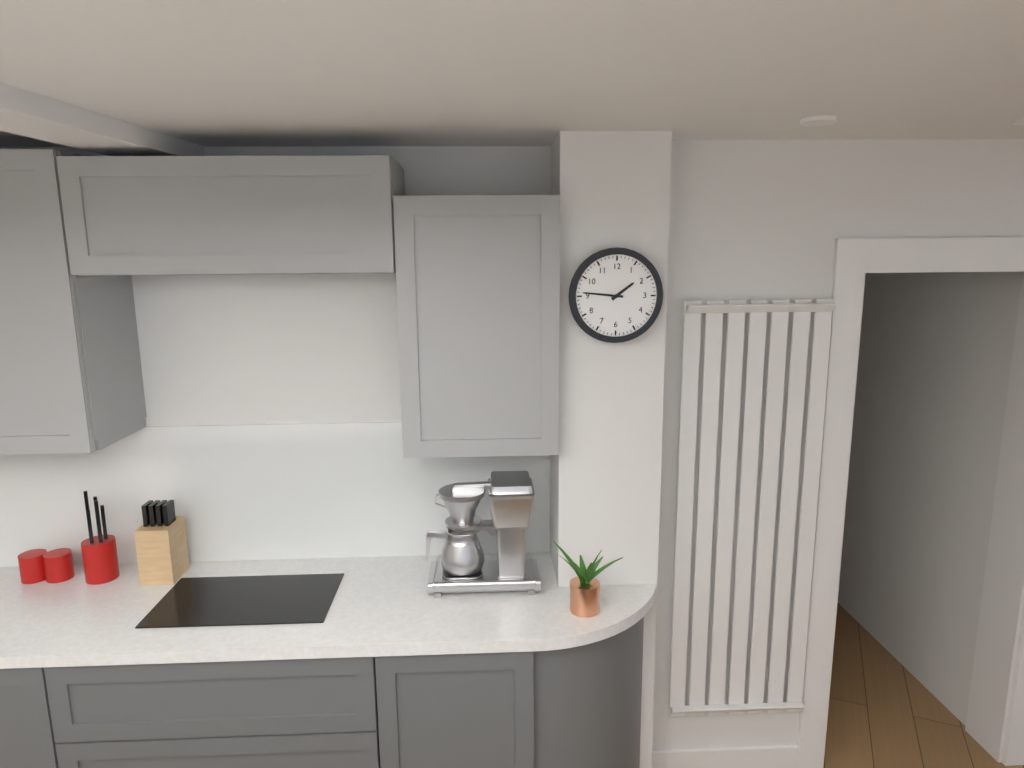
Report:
**1:46**
